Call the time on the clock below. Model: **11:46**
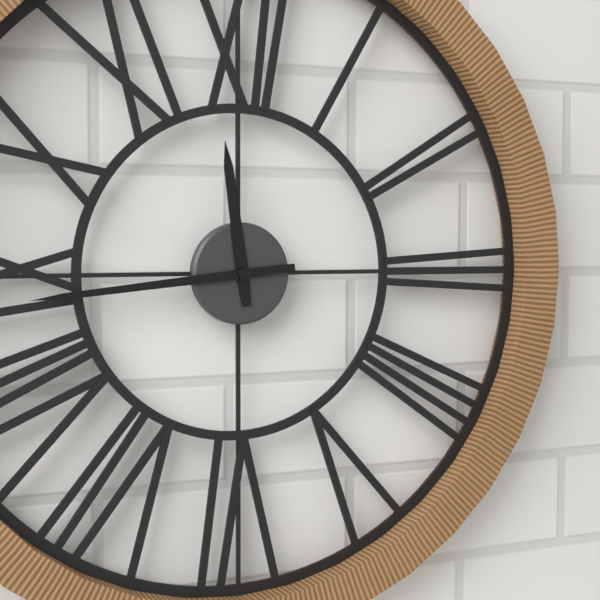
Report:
**11:44**
